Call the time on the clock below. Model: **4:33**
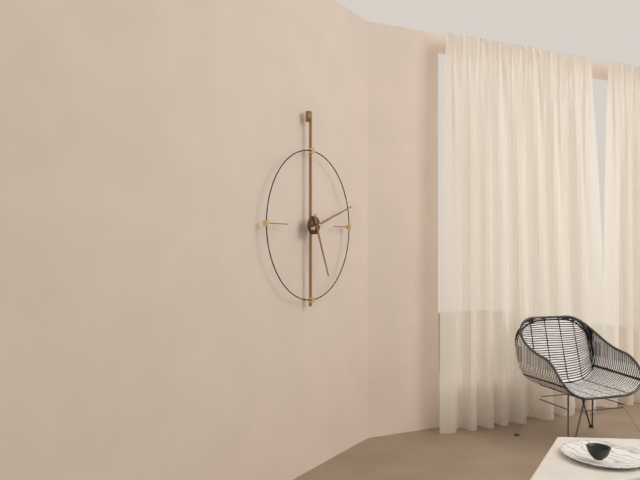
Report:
**5:12**
